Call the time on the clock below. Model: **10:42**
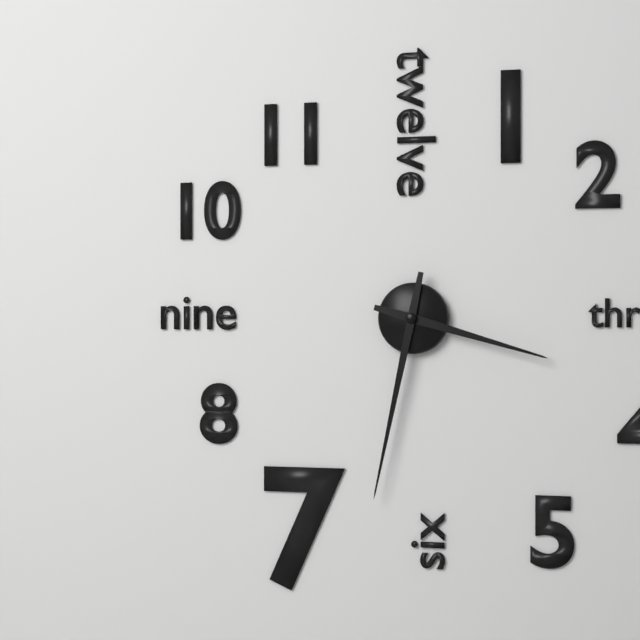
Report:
**3:32**
